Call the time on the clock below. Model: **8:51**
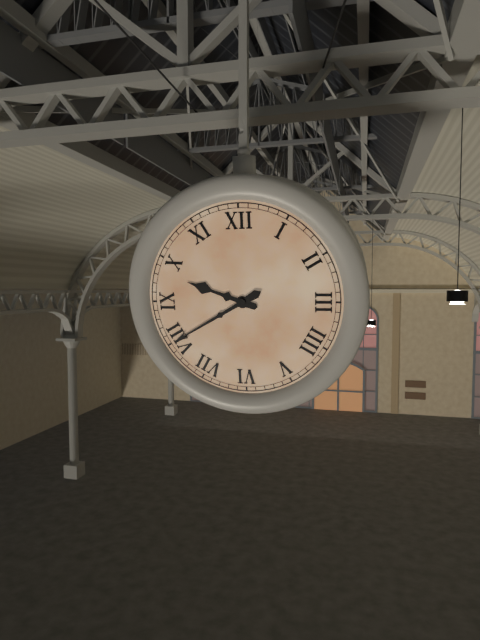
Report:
**9:40**
